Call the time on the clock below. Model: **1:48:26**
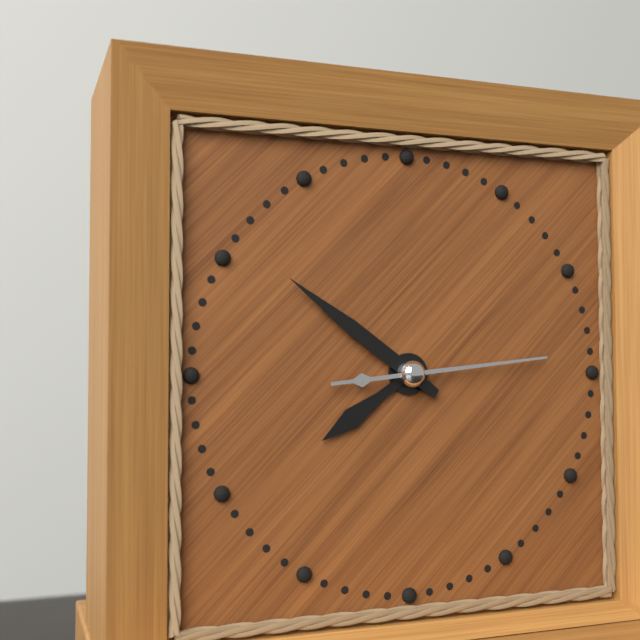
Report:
**7:51:14**
